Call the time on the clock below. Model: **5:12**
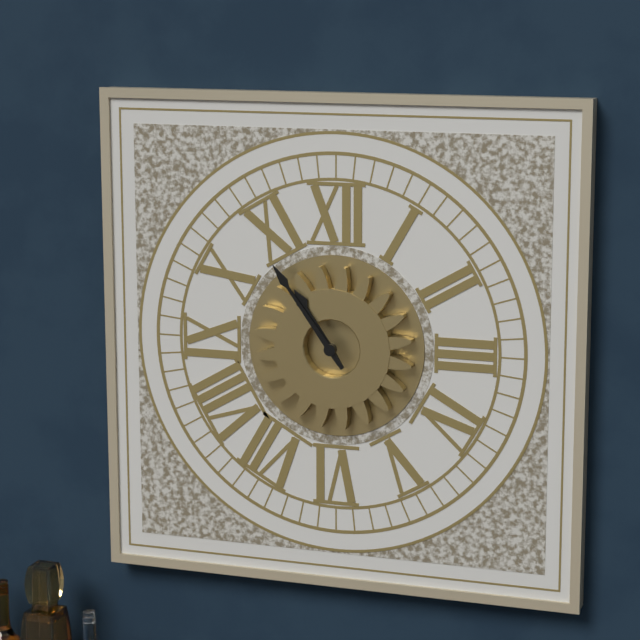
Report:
**10:54**
